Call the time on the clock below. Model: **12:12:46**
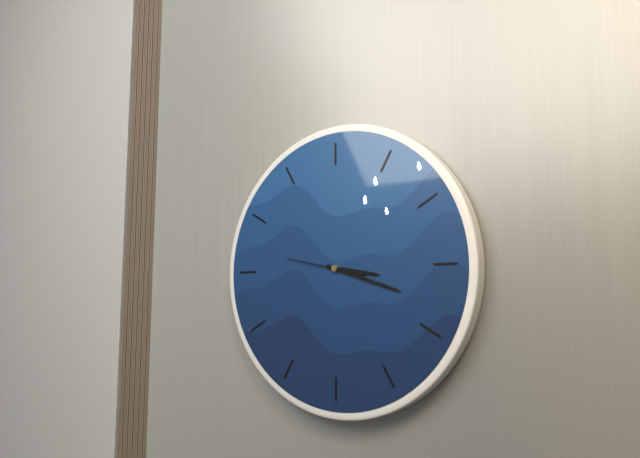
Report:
**3:18:47**
